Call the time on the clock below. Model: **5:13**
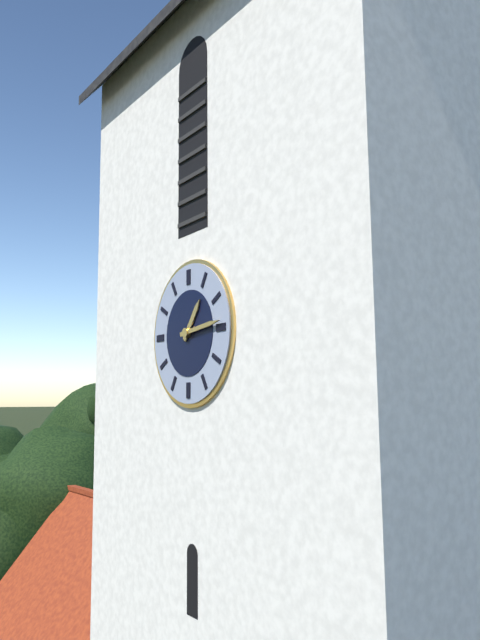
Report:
**1:14**
